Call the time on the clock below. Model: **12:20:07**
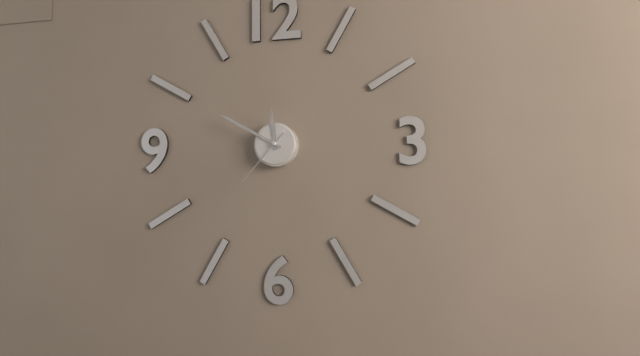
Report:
**11:50:37**
